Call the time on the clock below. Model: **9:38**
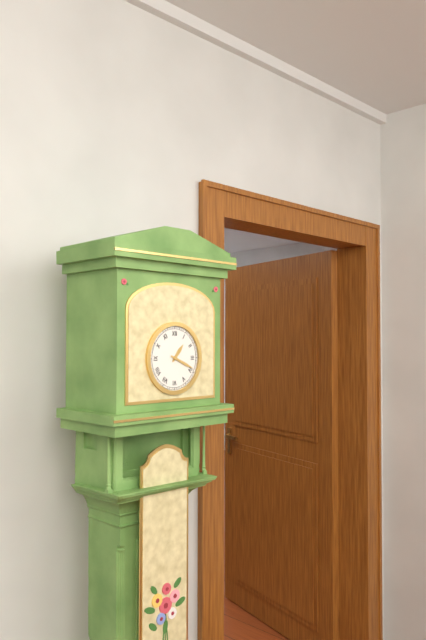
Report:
**1:19**
